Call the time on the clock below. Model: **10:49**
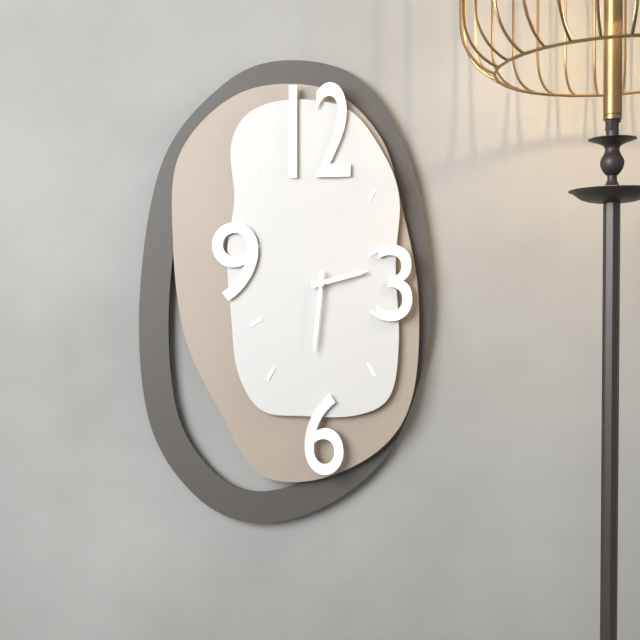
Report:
**2:31**
